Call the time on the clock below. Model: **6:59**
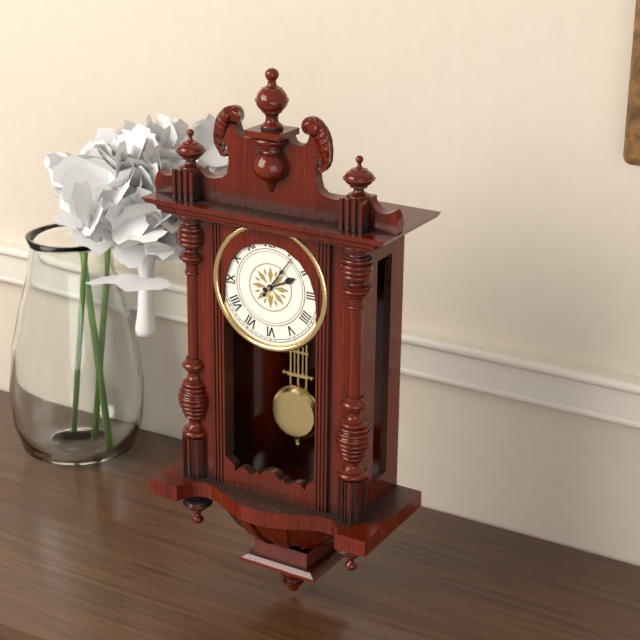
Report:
**2:06**
